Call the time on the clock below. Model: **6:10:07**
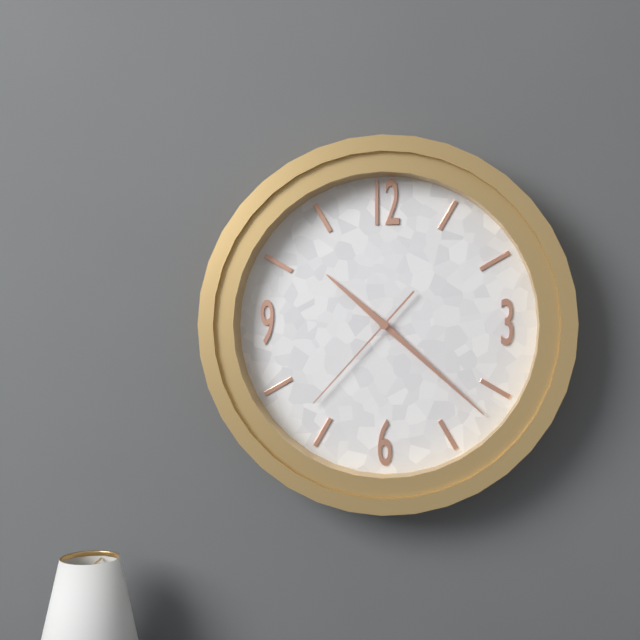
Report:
**10:22:37**
